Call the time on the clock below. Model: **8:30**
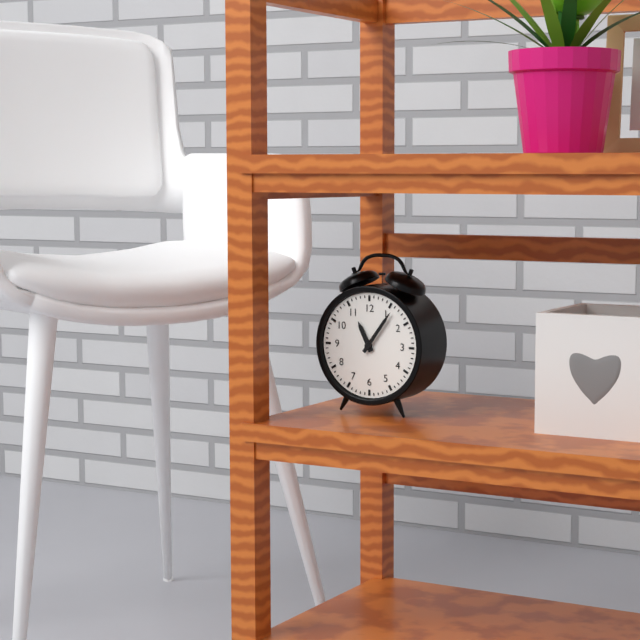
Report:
**11:06**
